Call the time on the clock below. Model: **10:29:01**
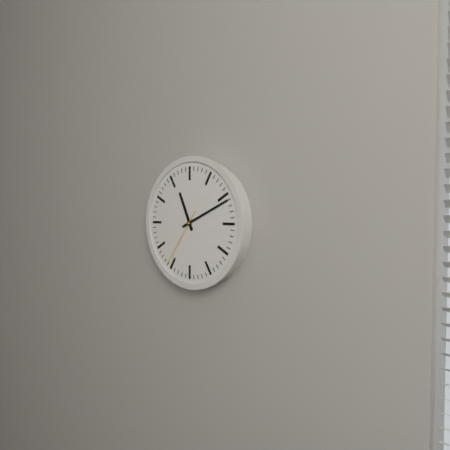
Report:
**11:11:36**
